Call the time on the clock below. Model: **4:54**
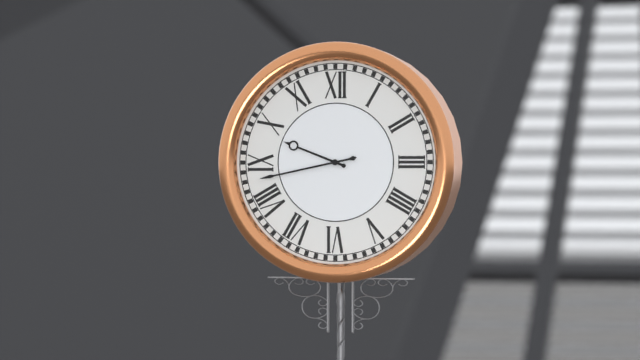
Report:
**9:43**
